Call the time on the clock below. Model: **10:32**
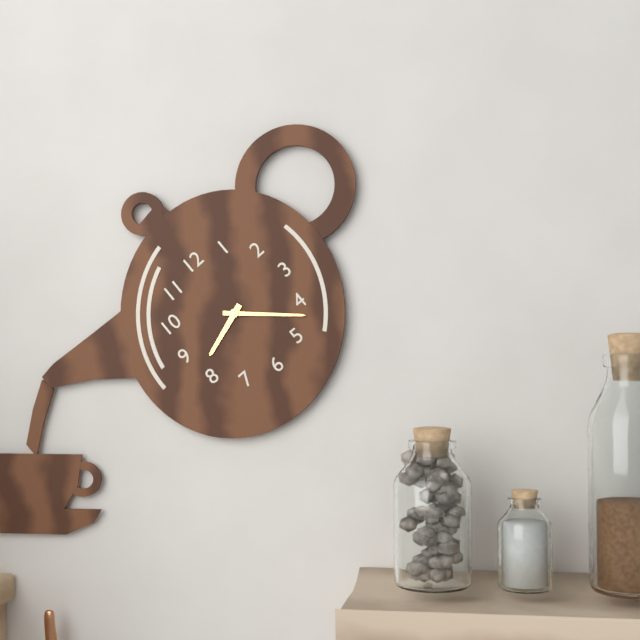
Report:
**8:22**
